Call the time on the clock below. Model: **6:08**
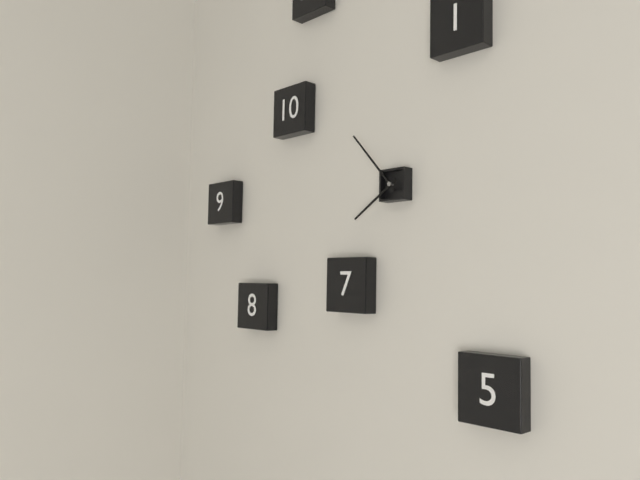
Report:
**7:53**
